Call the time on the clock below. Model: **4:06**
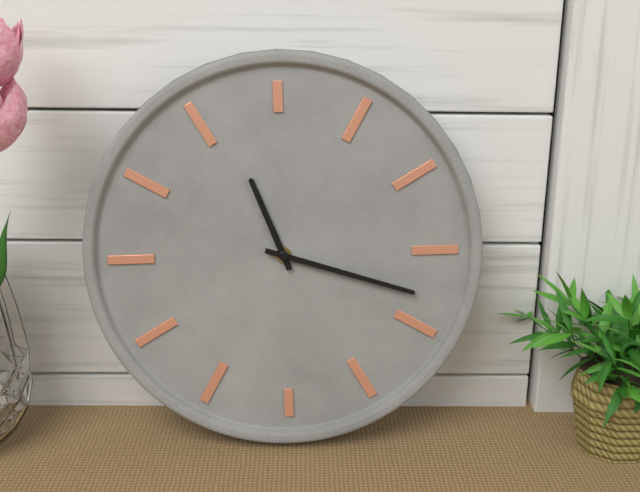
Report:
**11:18**
